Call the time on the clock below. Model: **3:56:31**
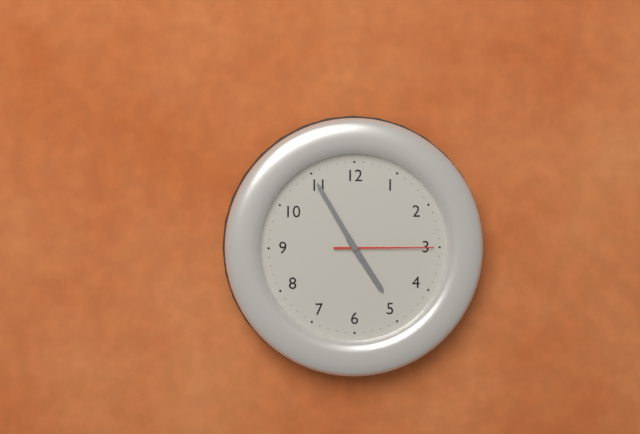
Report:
**4:55:15**
